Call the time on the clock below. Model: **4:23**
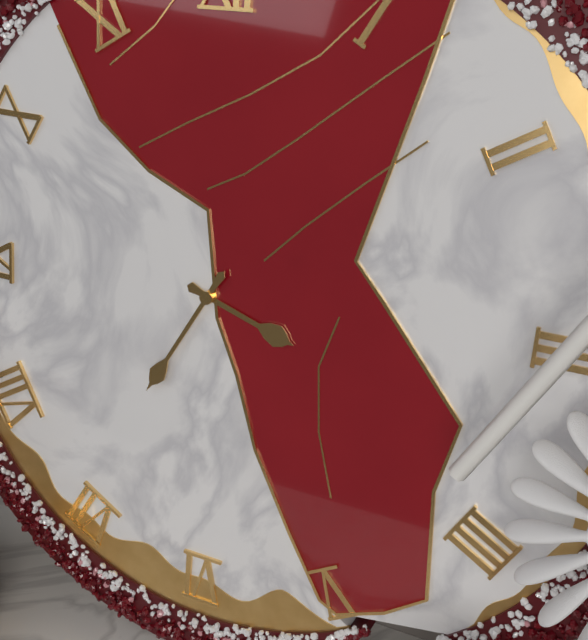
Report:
**3:35**
